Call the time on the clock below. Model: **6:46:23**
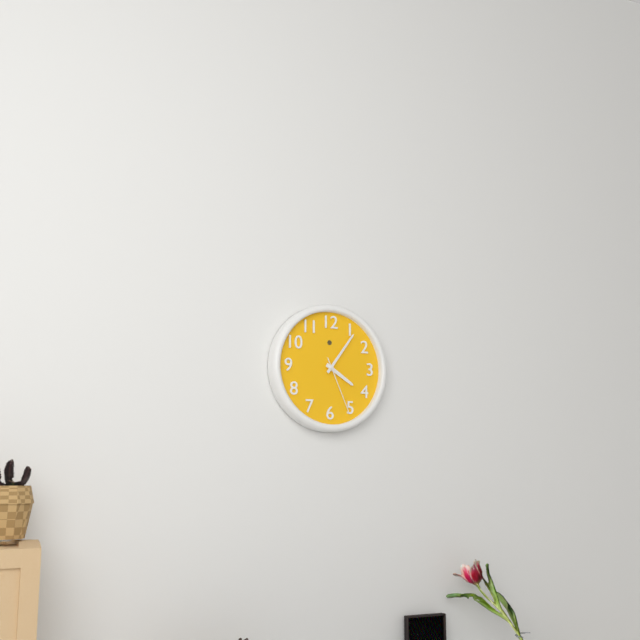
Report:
**4:06:26**
